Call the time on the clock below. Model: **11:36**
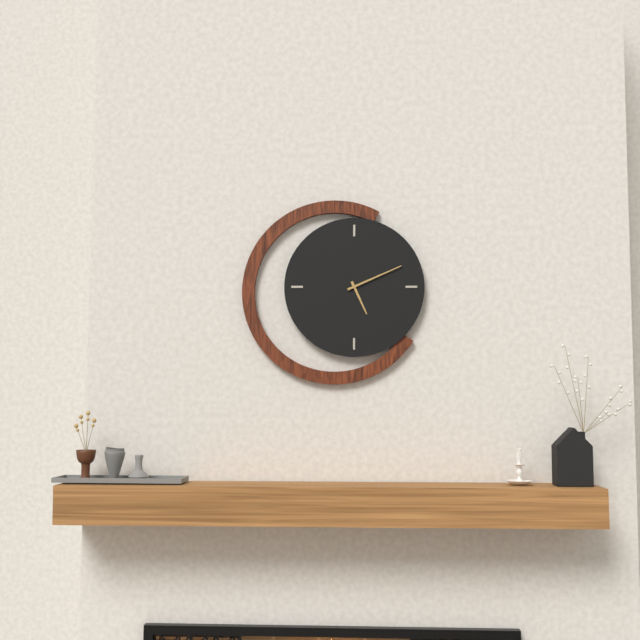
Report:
**5:11**
